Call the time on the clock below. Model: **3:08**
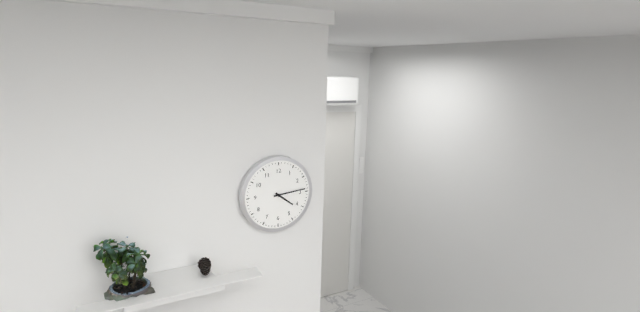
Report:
**4:14**
